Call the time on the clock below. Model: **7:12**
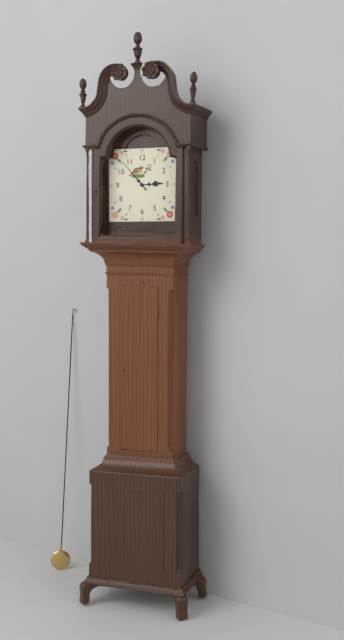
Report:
**2:53**
